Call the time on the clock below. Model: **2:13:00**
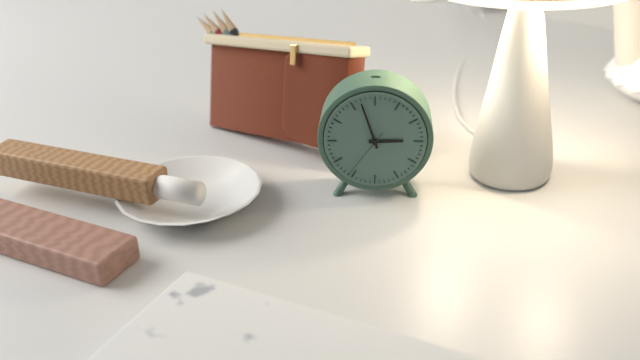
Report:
**2:57:36**
